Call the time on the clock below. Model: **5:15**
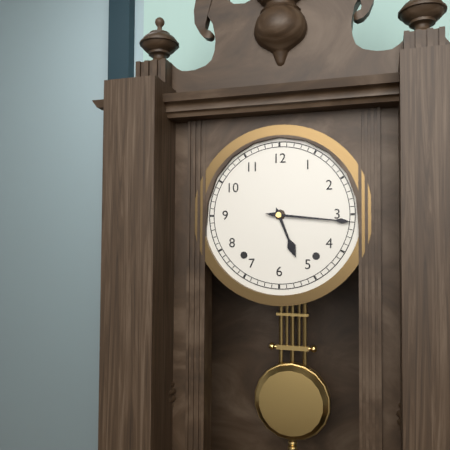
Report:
**5:16**
